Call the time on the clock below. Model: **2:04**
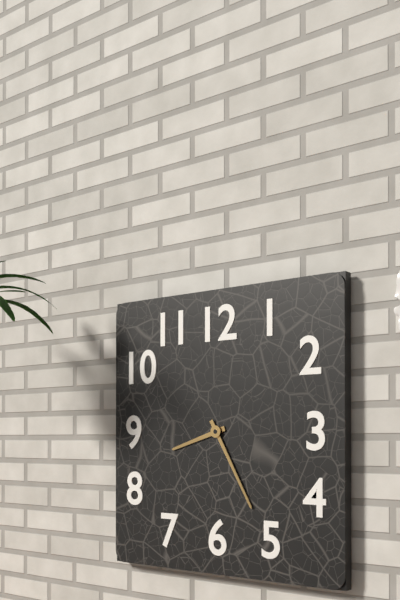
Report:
**8:25**
